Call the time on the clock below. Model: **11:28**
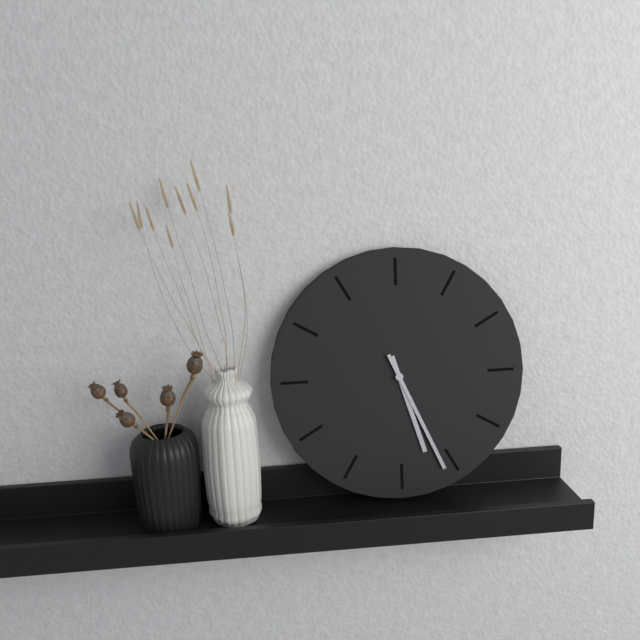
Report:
**5:26**
